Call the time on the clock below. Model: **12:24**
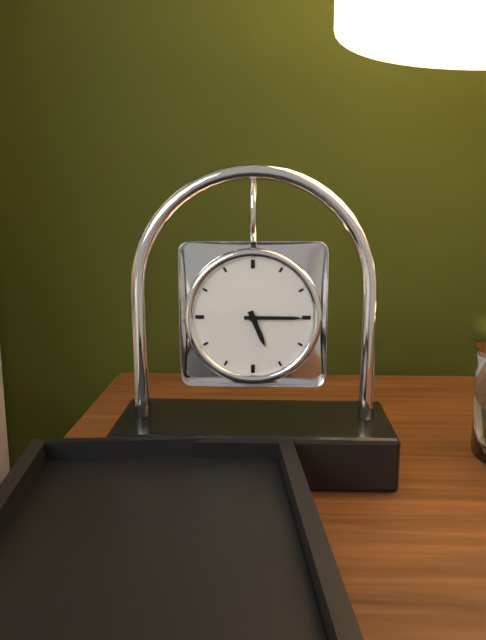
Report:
**5:15**
